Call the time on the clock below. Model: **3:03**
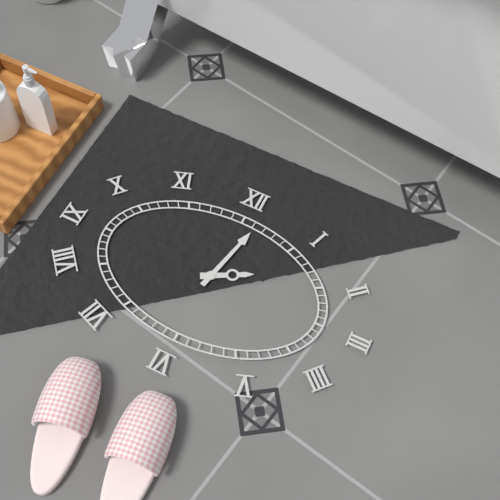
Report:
**2:02**
